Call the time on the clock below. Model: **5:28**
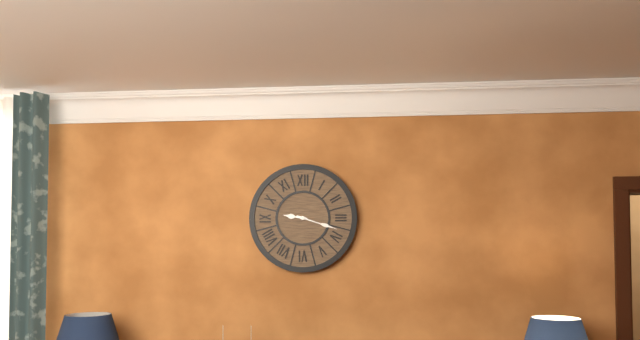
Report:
**9:18**
